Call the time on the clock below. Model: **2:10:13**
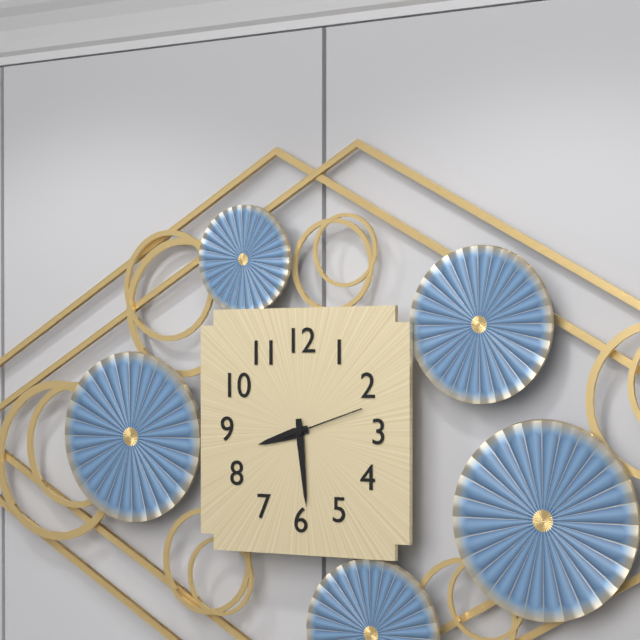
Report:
**8:29:12**
